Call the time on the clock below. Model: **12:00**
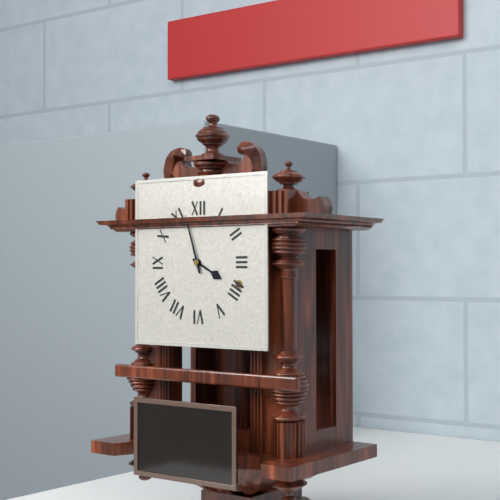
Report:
**3:57**
